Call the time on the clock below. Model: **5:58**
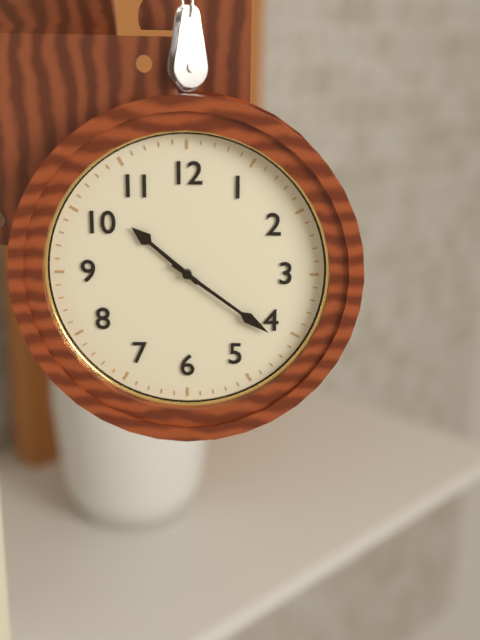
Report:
**10:21**
